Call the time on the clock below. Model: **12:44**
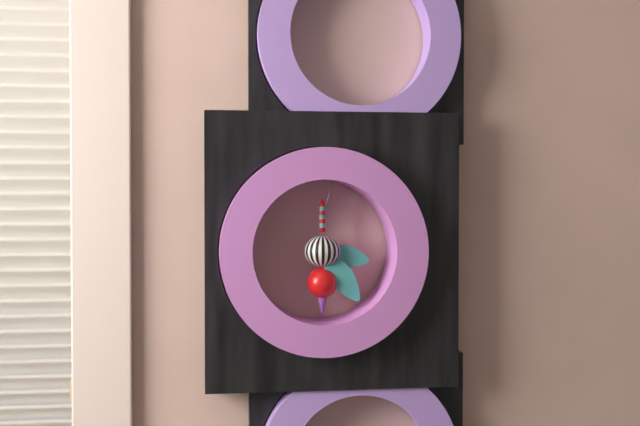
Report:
**3:24**
